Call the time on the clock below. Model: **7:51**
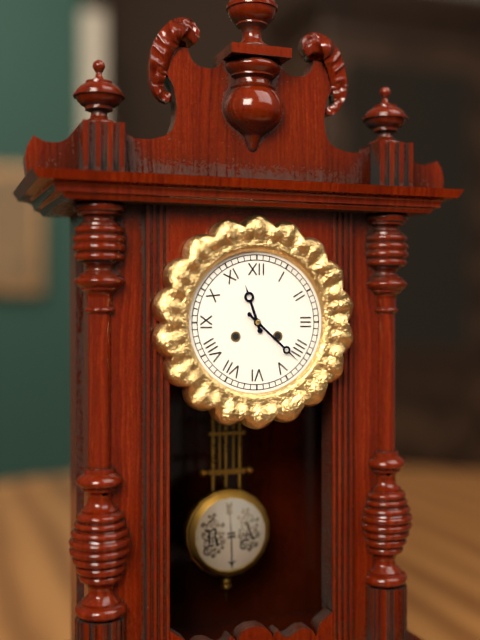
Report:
**11:22**
